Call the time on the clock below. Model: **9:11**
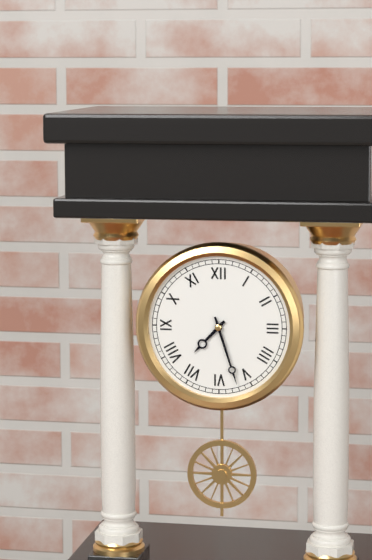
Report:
**7:27**
